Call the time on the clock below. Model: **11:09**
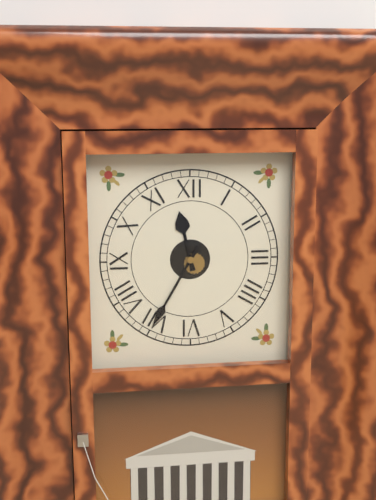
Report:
**11:35**
